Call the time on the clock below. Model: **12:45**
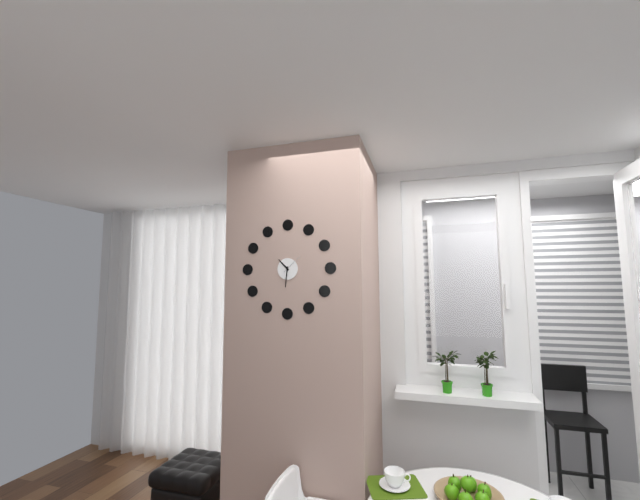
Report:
**10:31**
